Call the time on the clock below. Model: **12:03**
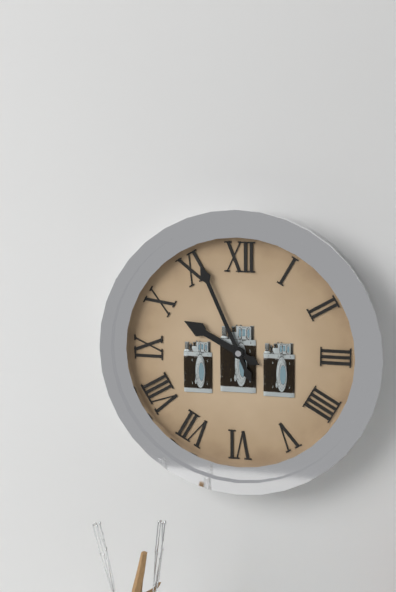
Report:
**9:56**
